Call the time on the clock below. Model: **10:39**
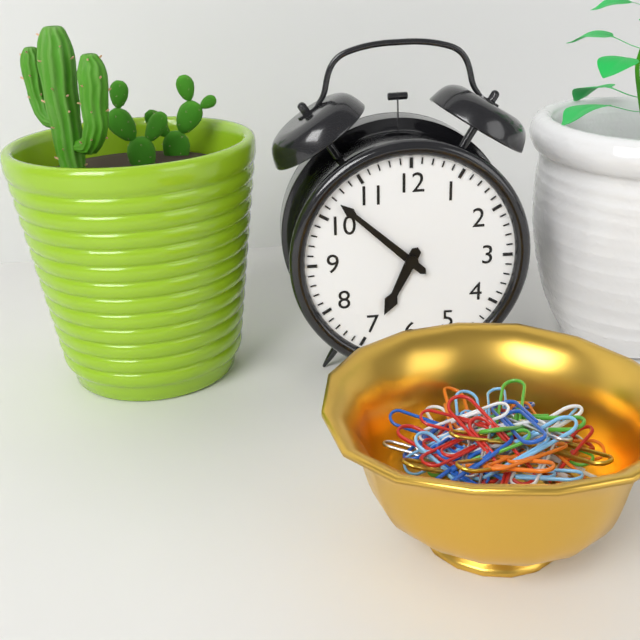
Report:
**6:52**
